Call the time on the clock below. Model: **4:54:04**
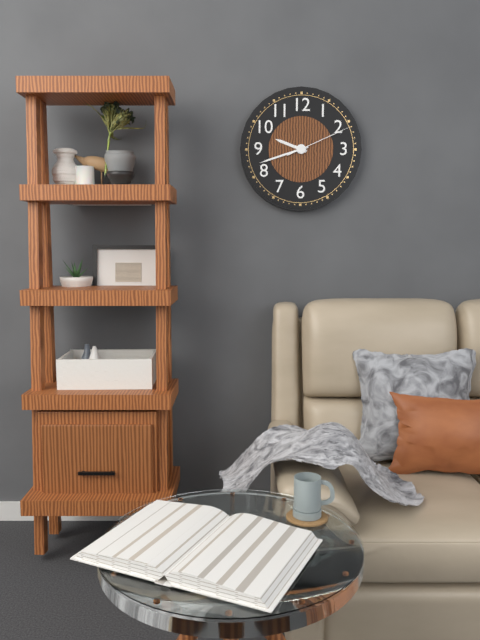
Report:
**9:42:11**
